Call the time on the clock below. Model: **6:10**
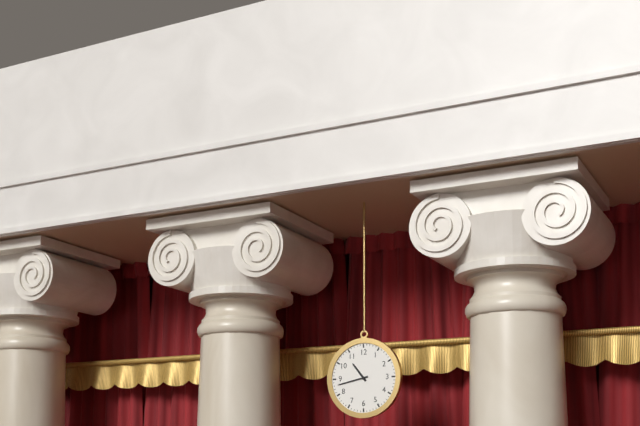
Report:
**10:43**
